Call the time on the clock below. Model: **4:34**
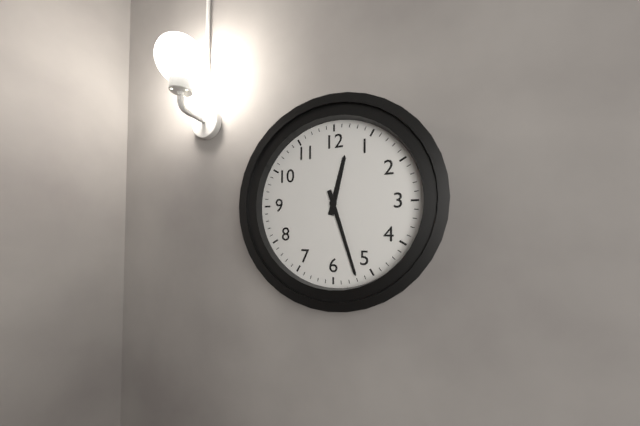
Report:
**12:27**
